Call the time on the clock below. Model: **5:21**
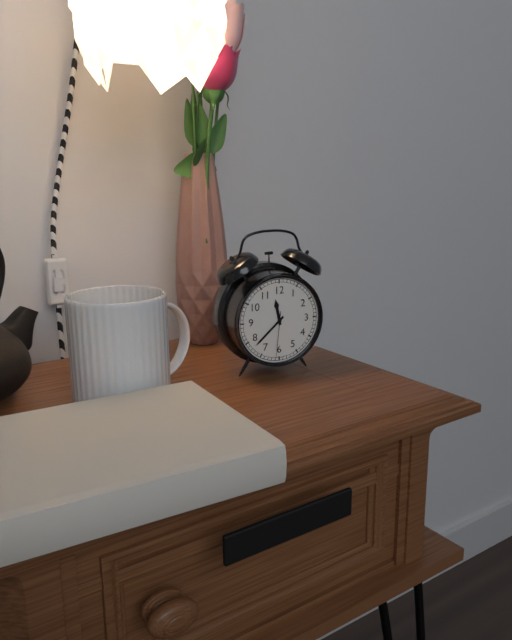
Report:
**11:38**
